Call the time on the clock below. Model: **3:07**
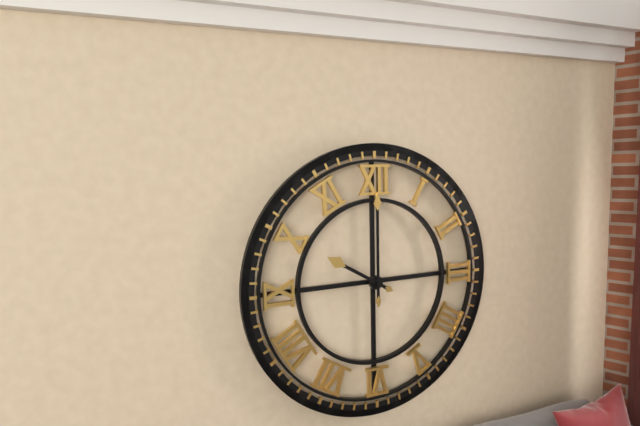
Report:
**10:00**
